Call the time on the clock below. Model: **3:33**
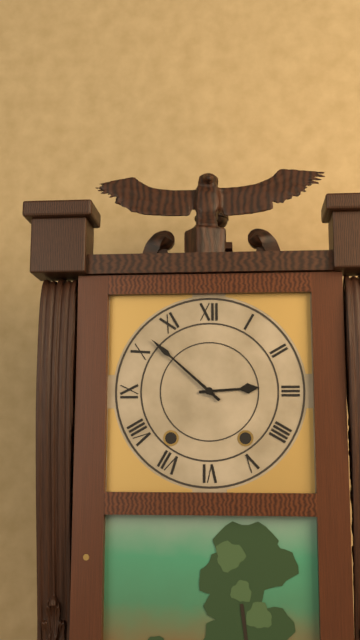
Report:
**2:52**
